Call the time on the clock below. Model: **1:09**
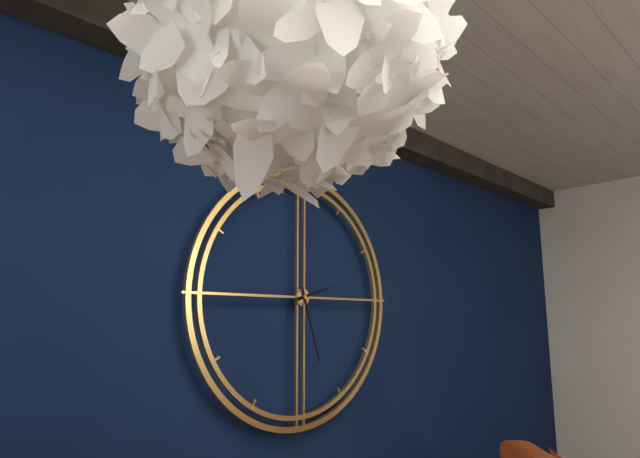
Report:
**2:27**
